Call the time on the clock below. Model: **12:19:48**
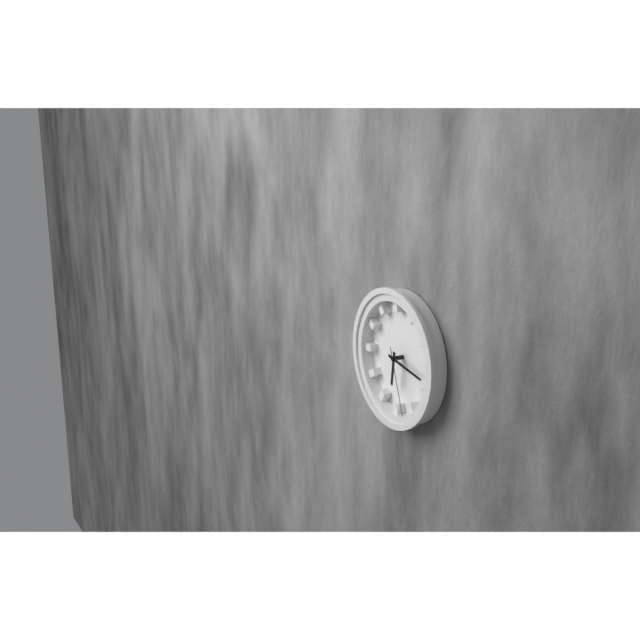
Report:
**6:17:27**
